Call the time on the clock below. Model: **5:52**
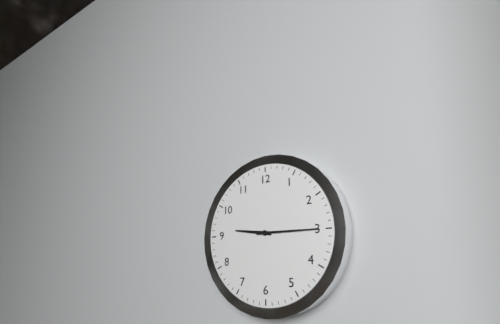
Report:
**9:15**
